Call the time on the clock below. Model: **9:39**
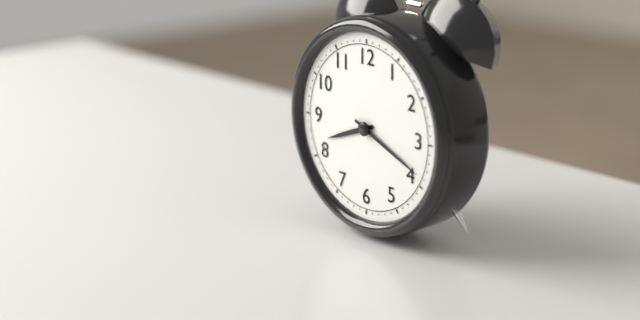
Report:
**8:19**
